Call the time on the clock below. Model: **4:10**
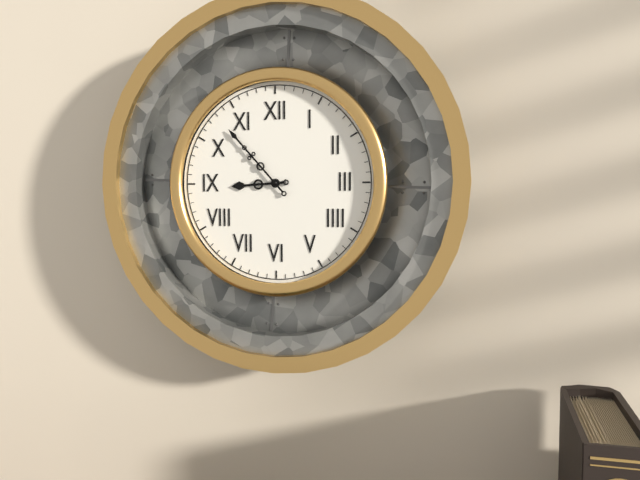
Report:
**8:53**
